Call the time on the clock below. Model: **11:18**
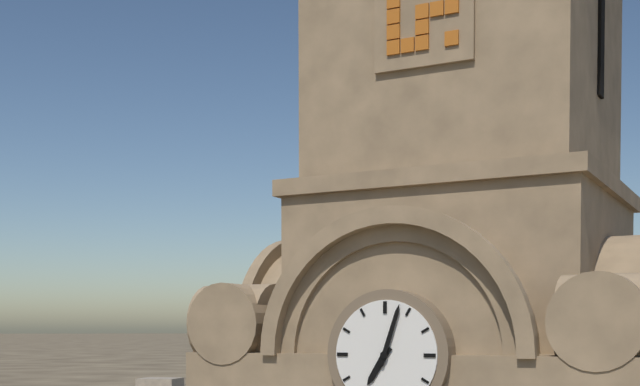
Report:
**7:03**
